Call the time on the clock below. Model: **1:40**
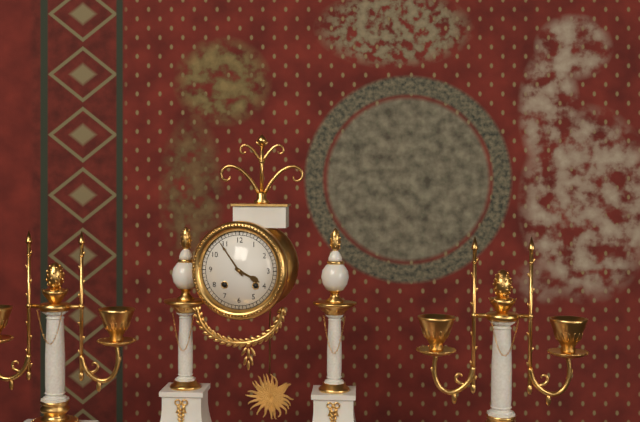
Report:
**3:54**
